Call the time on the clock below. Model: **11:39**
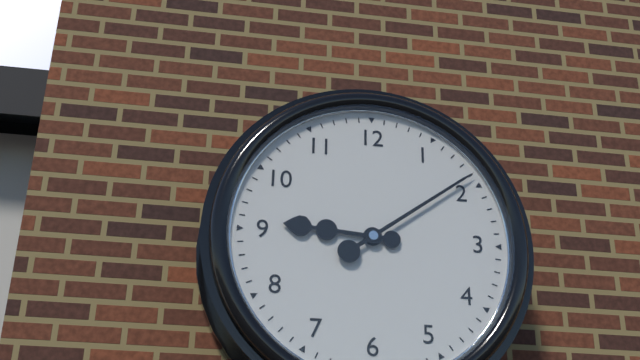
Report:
**9:09**
